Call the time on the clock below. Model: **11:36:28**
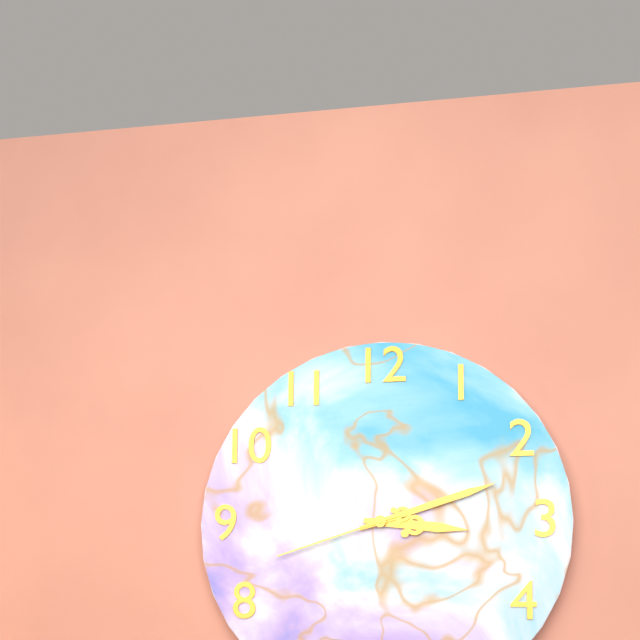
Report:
**3:12:42**
